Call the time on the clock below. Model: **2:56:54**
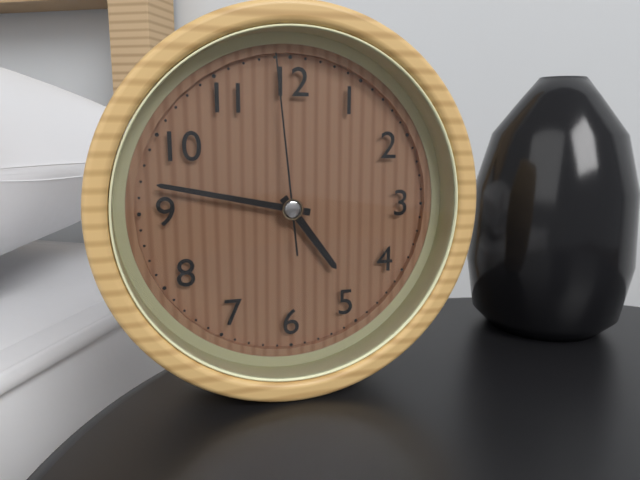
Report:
**4:47:59**
